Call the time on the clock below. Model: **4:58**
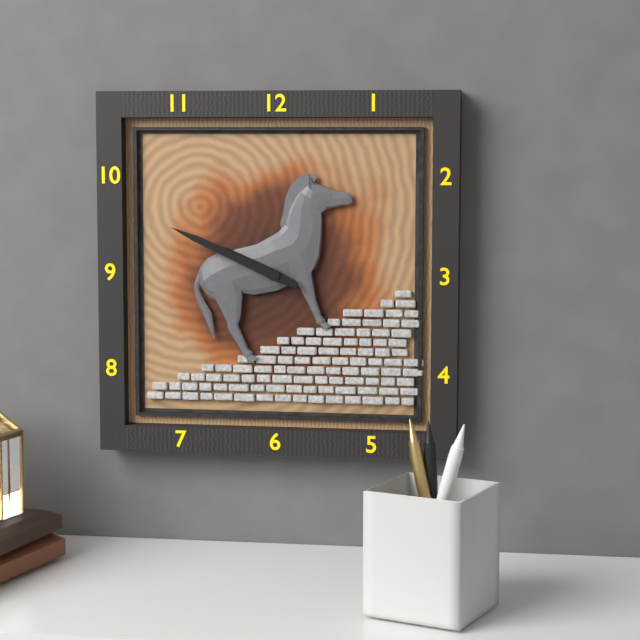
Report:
**9:49**
